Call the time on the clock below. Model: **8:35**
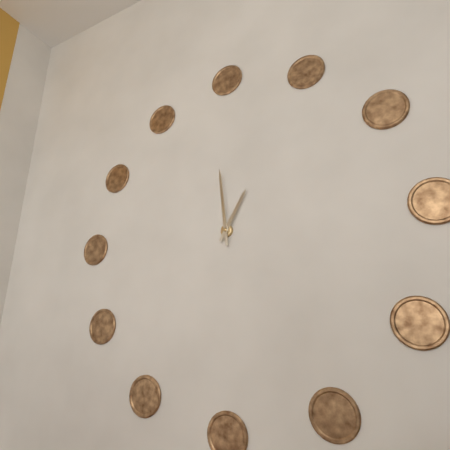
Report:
**12:59**
